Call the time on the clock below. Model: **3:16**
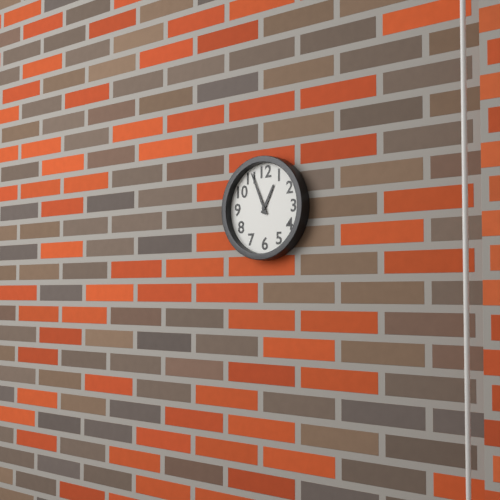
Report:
**12:56**
